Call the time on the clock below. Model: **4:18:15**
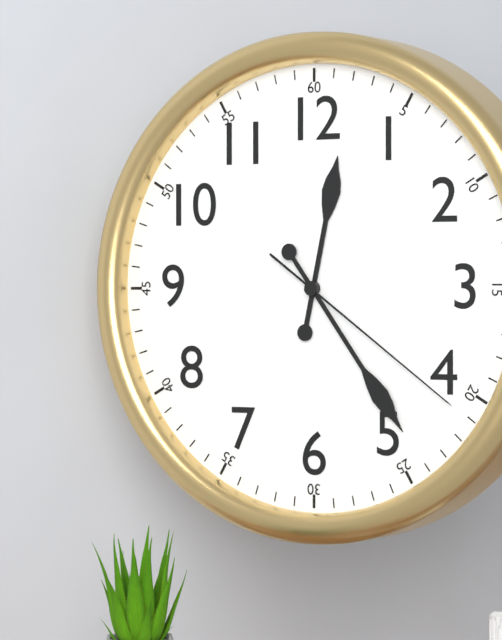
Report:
**12:24:21**
